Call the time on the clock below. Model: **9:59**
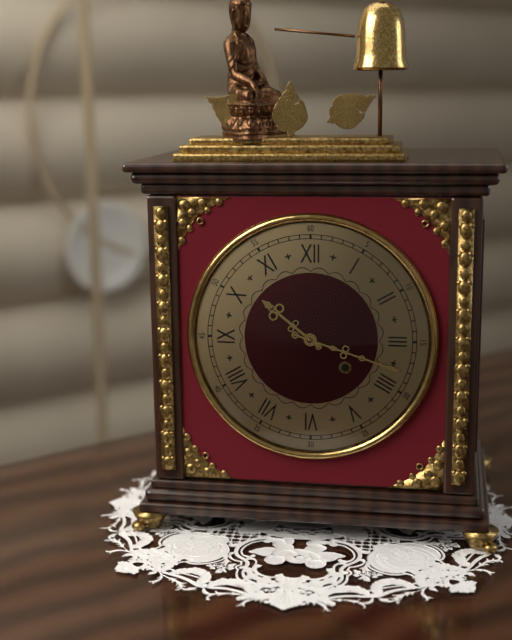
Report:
**10:18**
